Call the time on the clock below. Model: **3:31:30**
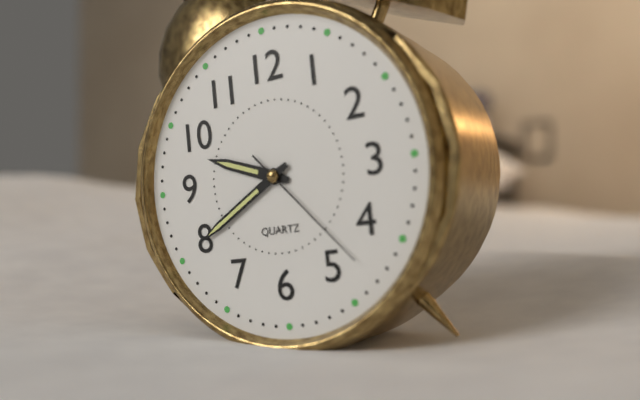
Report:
**9:40:23**
